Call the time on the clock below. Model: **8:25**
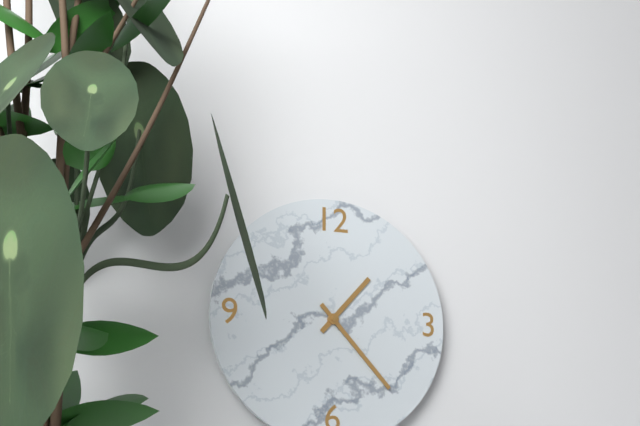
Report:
**1:23**
